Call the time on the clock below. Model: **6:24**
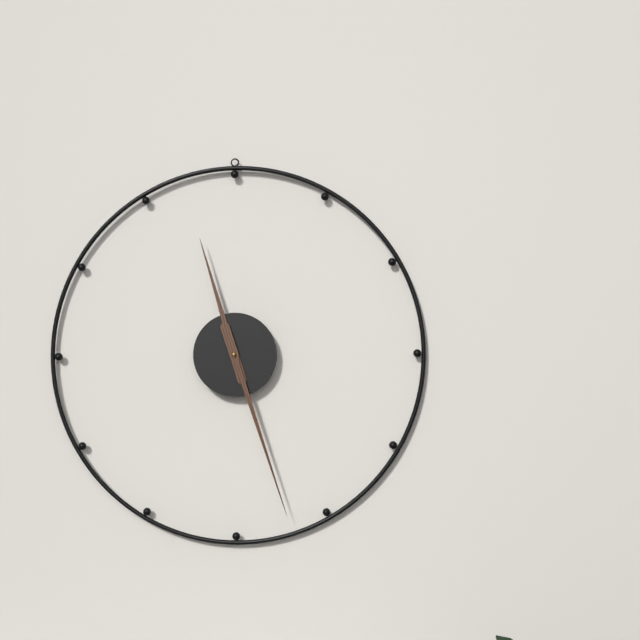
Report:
**11:27**
